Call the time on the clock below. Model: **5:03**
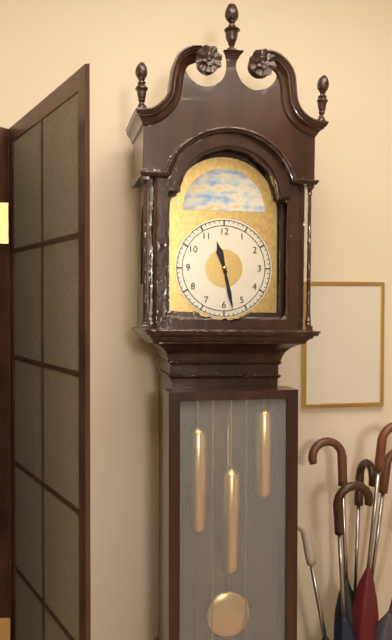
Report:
**11:28**
